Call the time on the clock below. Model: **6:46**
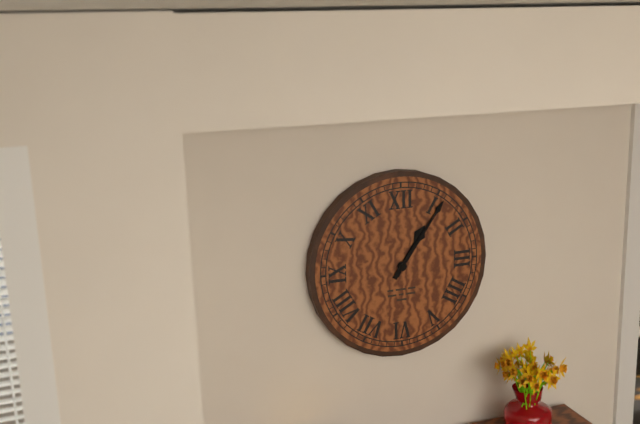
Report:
**1:06**
